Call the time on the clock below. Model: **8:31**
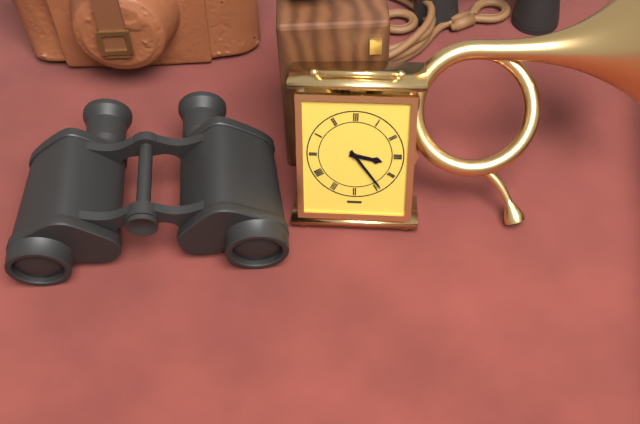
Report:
**3:24**
